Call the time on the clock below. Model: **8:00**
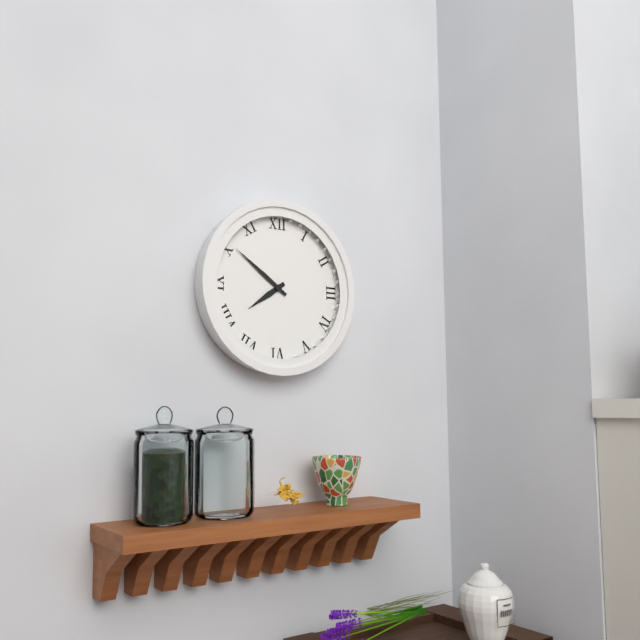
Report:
**7:51**
